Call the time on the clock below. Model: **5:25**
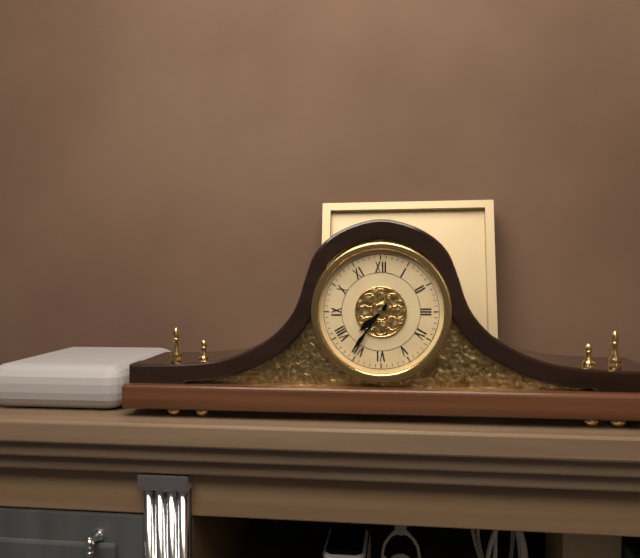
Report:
**7:36**
